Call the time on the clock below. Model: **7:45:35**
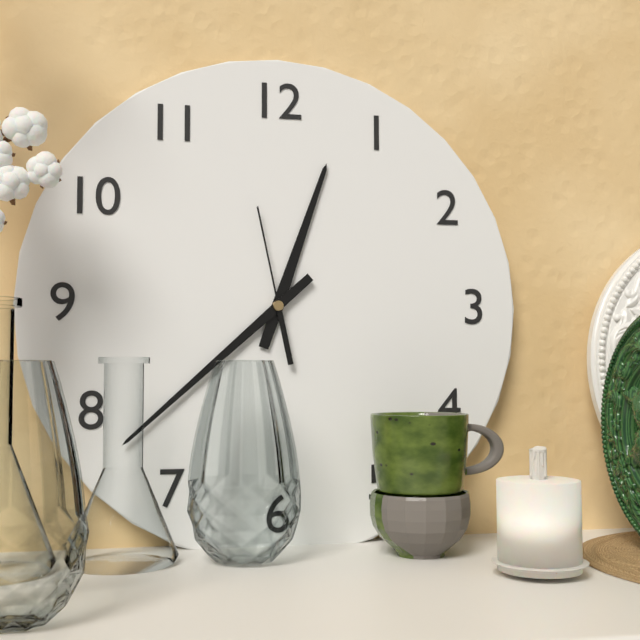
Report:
**12:38:58**
